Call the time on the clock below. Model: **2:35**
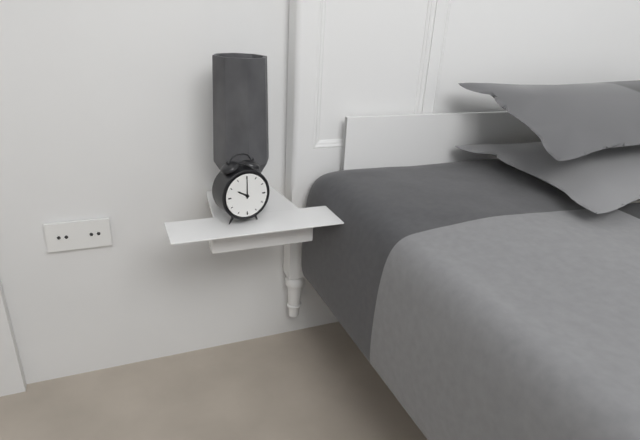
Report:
**10:00**
